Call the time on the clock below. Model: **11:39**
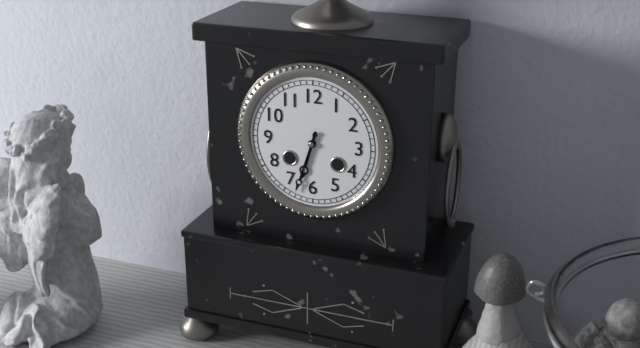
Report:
**6:33**
